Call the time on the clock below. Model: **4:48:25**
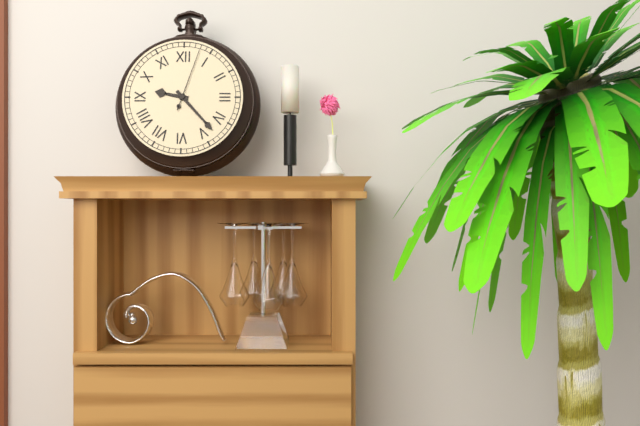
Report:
**9:23:03**
